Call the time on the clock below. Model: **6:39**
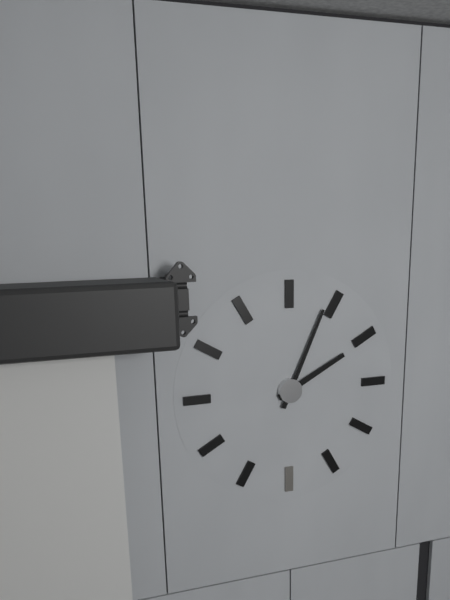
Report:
**2:04**
